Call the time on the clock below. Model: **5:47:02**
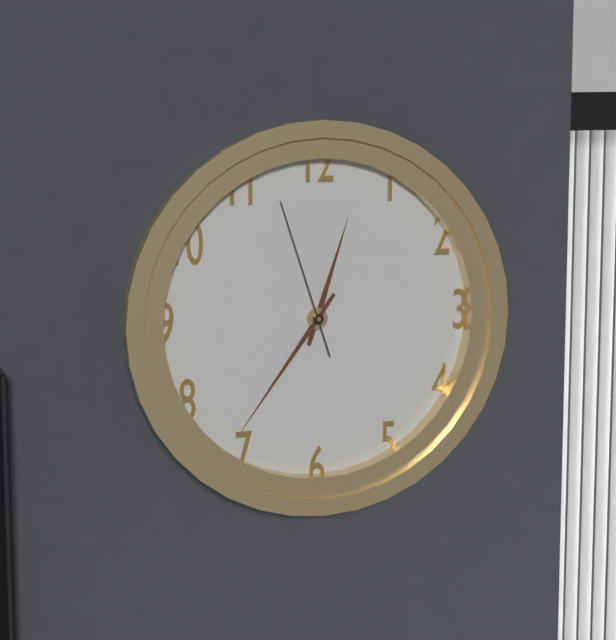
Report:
**12:36:57**
